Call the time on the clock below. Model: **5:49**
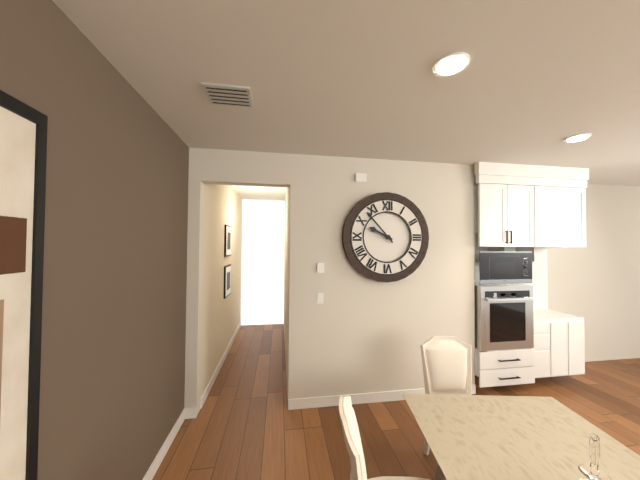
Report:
**9:53**
